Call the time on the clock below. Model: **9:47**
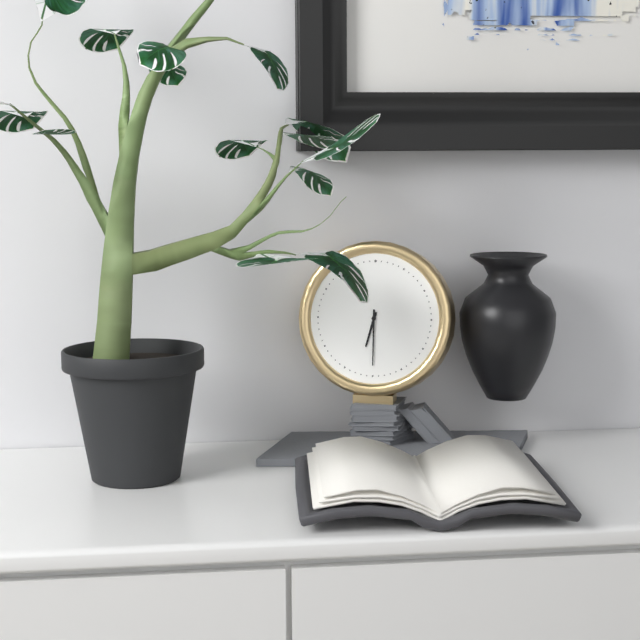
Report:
**6:30**
